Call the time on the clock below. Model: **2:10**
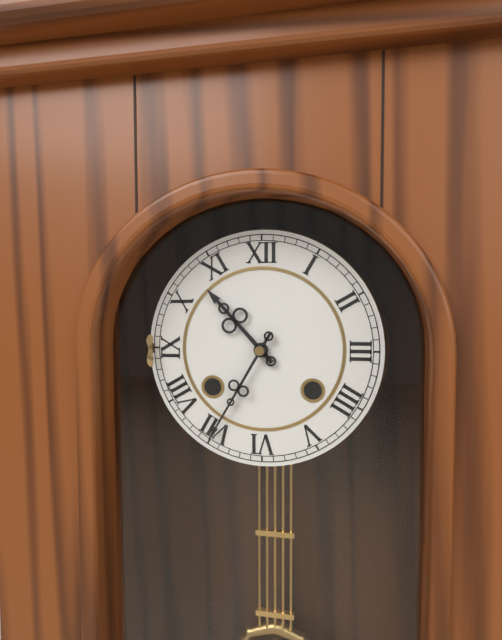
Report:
**10:35**
